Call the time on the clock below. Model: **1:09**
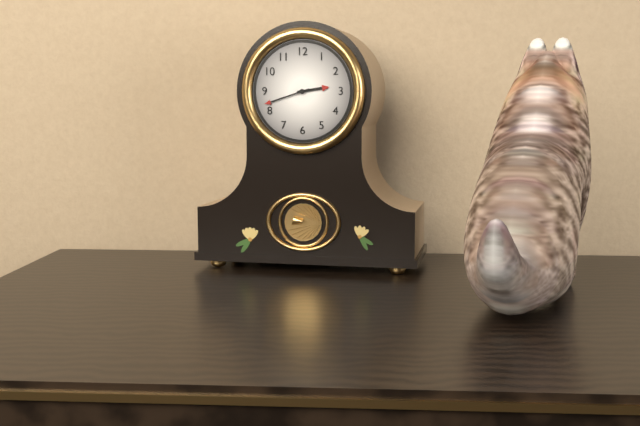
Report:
**2:42**
